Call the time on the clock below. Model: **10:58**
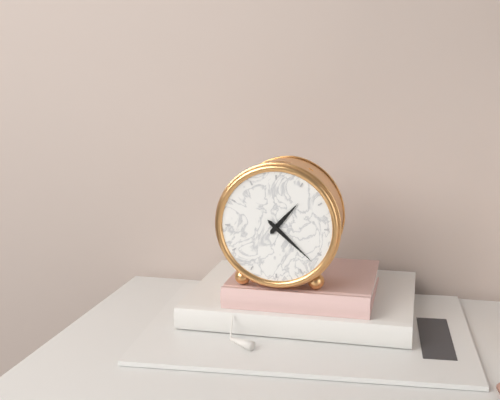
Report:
**1:22**
